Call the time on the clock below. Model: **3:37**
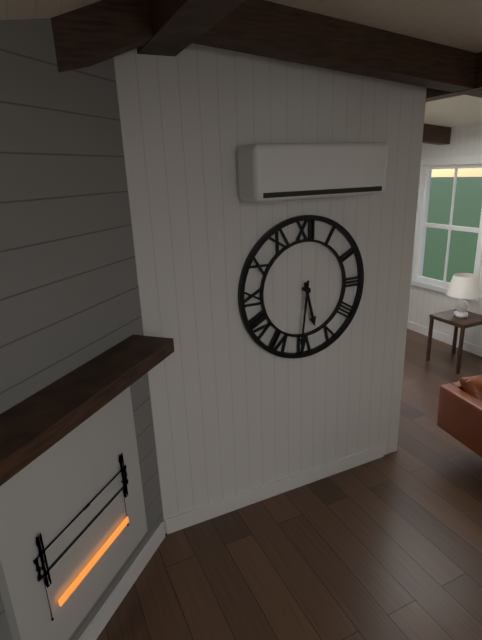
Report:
**5:31**
